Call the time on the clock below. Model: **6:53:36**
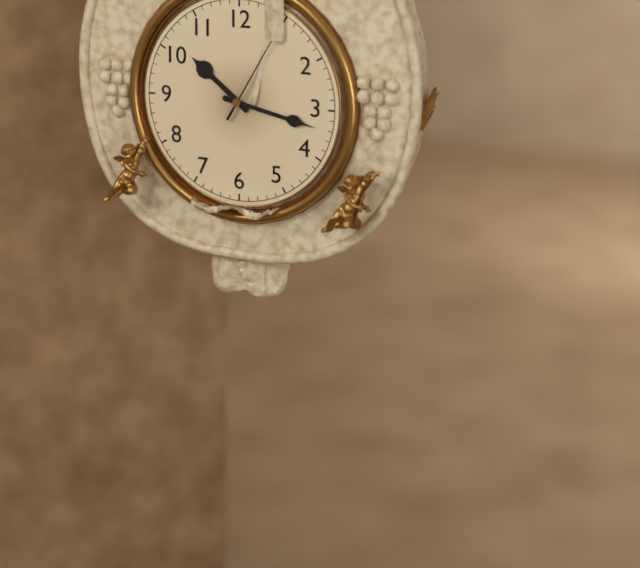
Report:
**10:17:05**
